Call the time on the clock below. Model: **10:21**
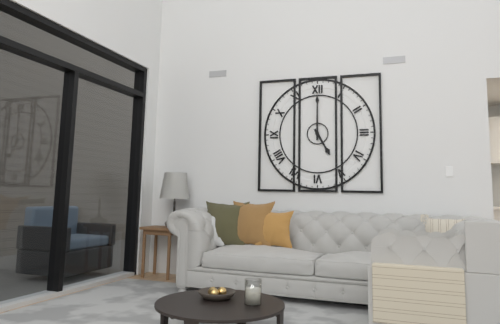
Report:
**5:00**
